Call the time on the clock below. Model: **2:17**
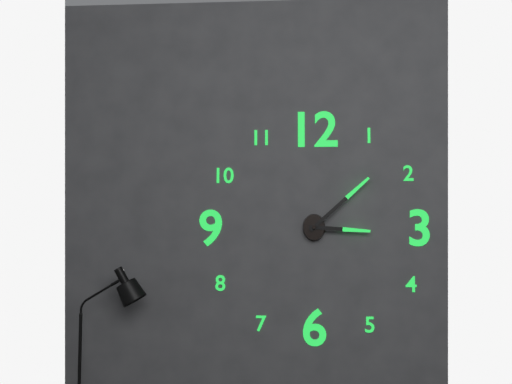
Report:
**3:08**
